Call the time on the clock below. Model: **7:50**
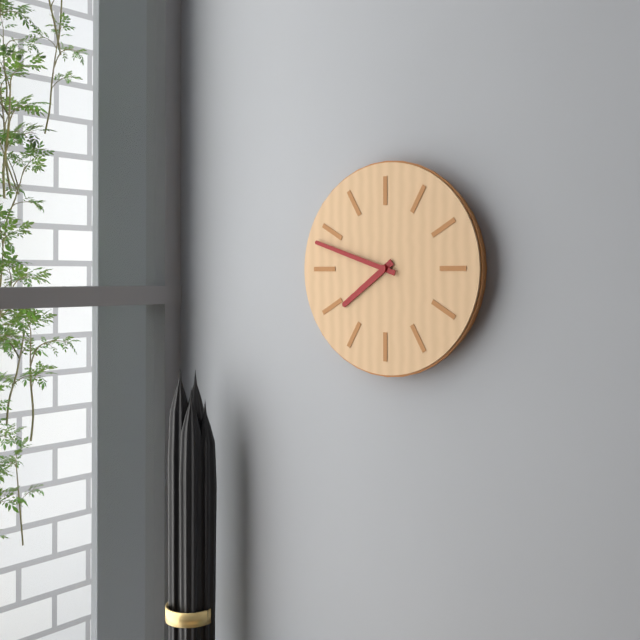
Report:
**7:48**
